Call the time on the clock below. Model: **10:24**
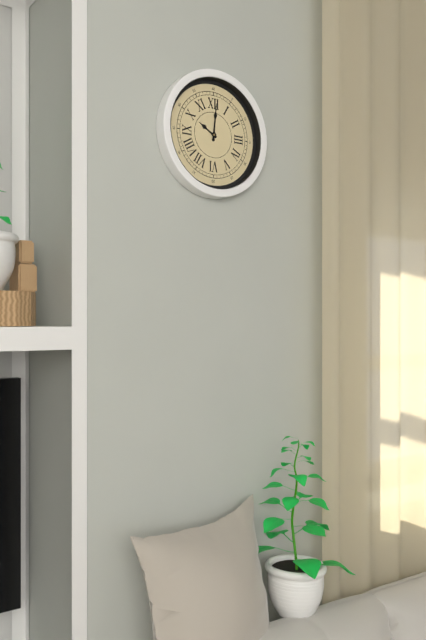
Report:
**10:01**
